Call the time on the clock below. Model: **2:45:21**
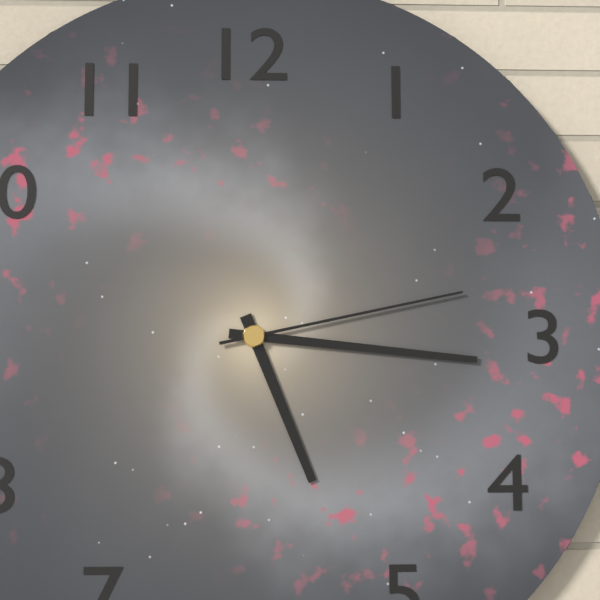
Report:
**5:16:13**
